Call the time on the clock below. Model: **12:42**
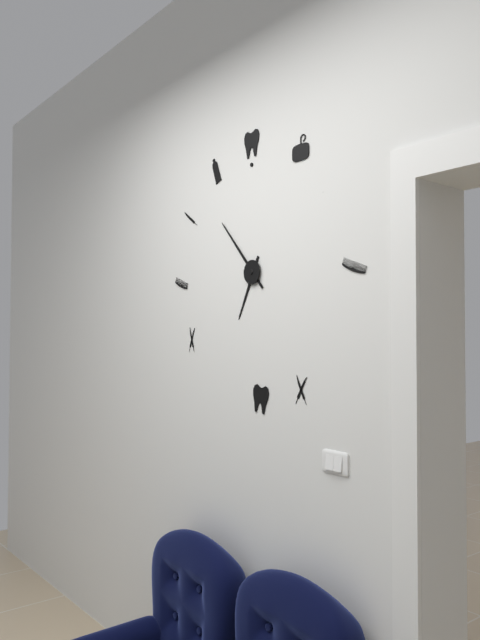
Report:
**6:53**
